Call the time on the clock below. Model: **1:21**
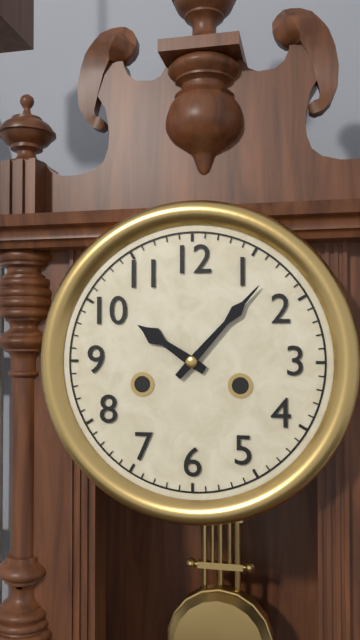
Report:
**10:07**
